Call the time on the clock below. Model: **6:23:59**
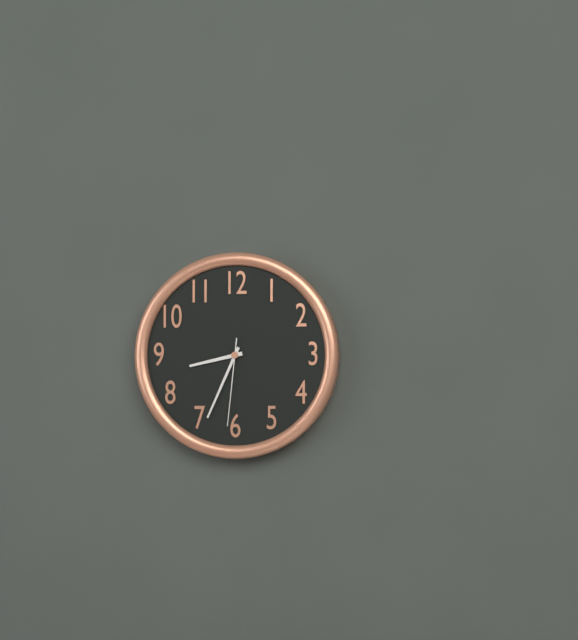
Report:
**8:34:31**
